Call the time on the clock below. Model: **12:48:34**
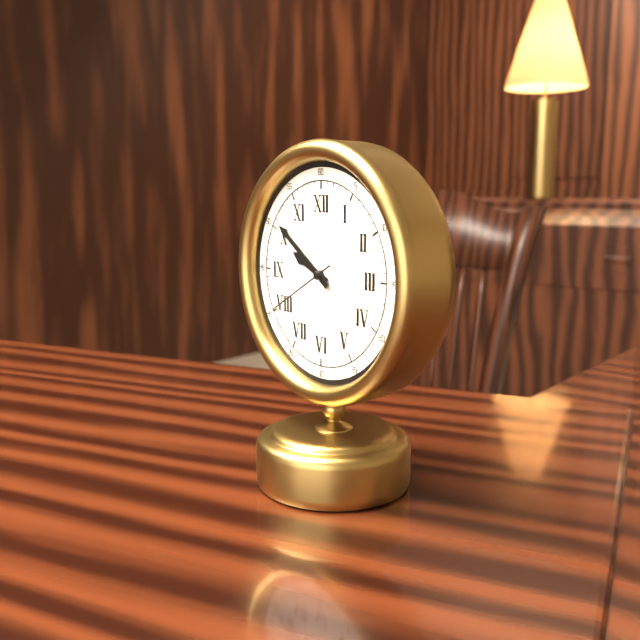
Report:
**9:51:40**
